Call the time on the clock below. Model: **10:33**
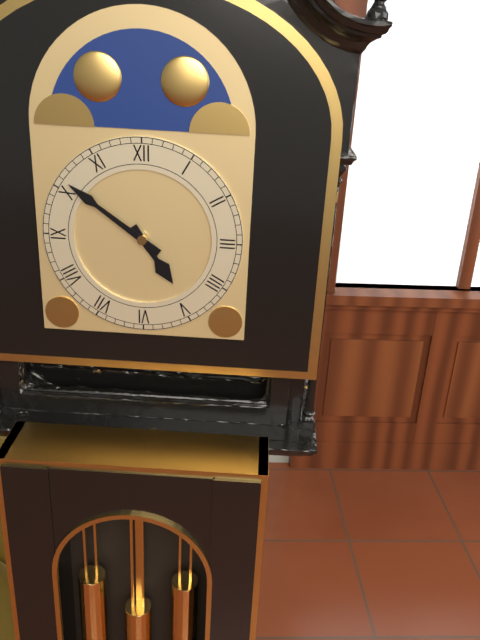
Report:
**4:51**
